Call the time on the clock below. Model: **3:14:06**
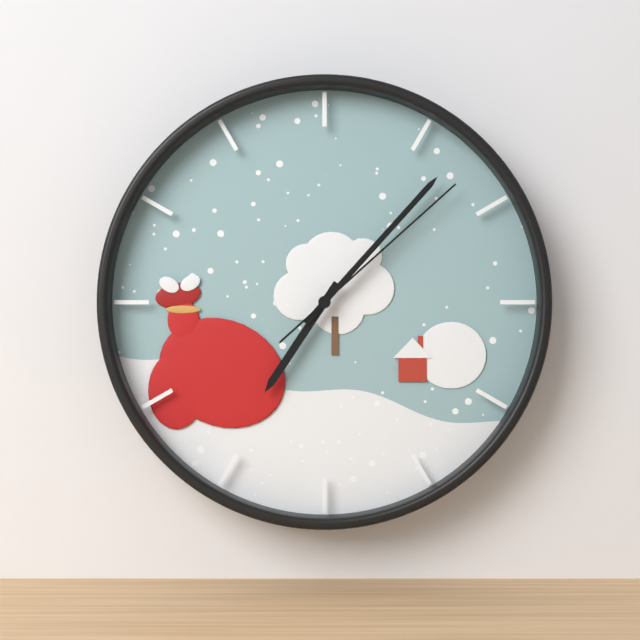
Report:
**7:07:08**
